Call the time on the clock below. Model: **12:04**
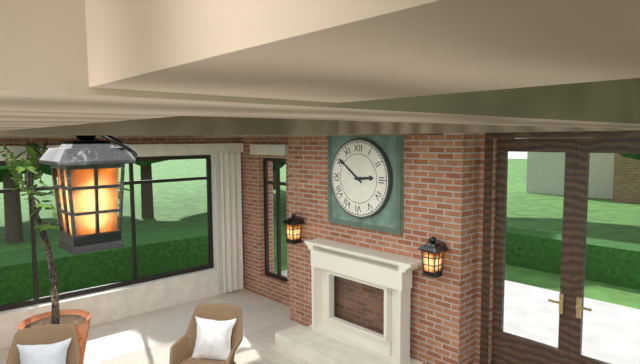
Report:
**2:51**
